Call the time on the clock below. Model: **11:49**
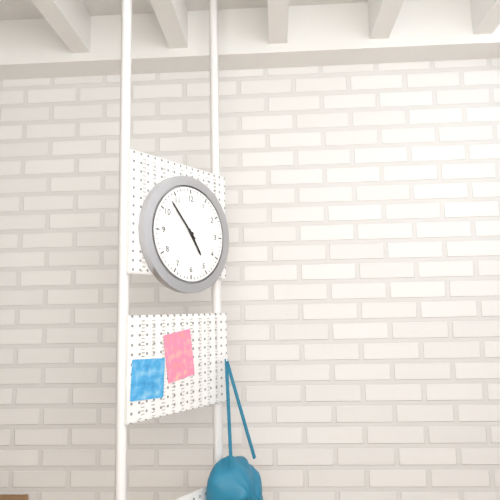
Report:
**4:53**
